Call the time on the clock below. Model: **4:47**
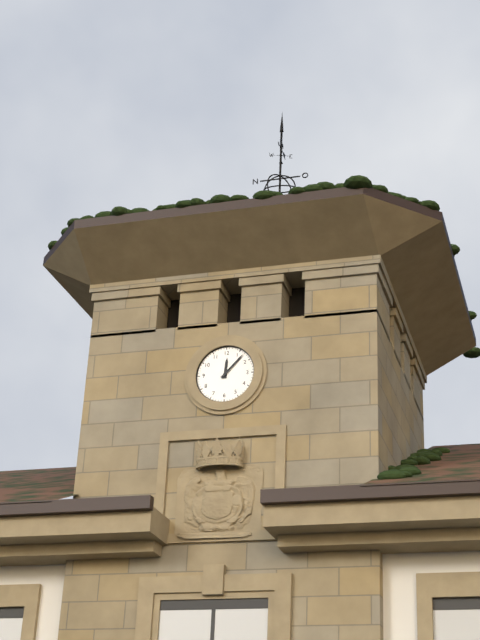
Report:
**12:07**
